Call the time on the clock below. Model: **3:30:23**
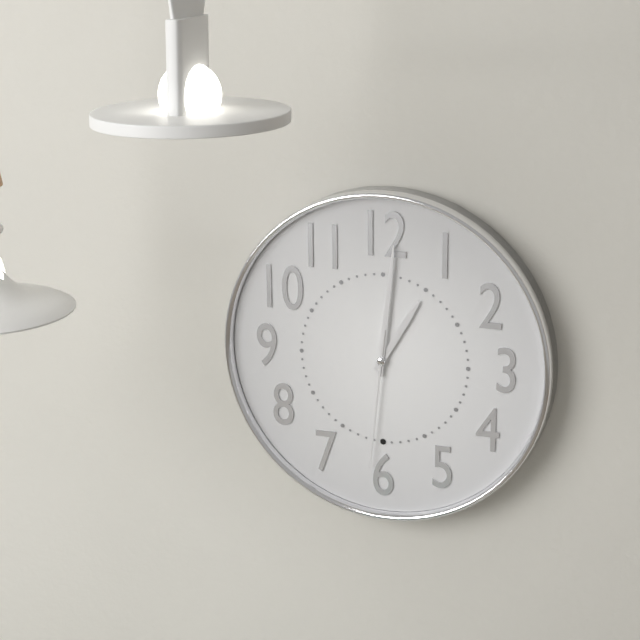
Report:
**1:01:31**
